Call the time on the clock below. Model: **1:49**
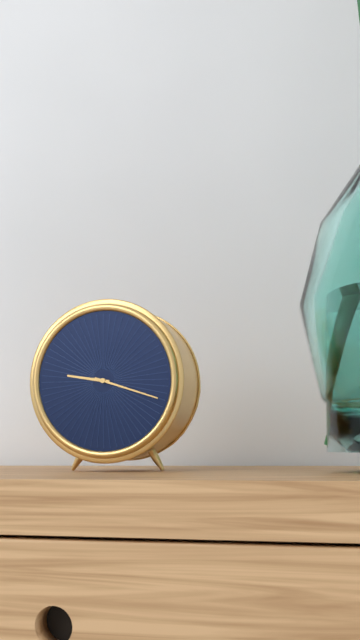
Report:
**9:18**
